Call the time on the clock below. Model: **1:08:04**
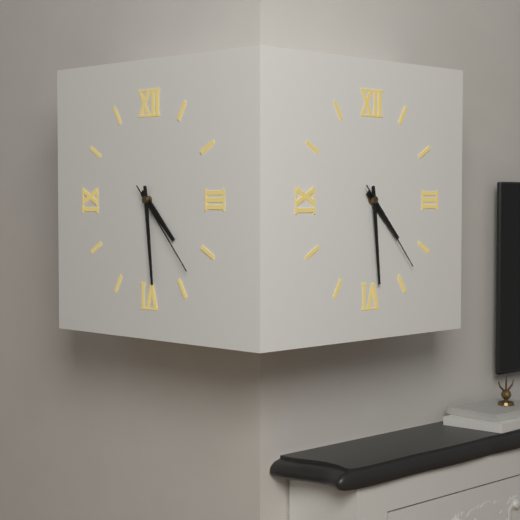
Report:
**4:29:23**
